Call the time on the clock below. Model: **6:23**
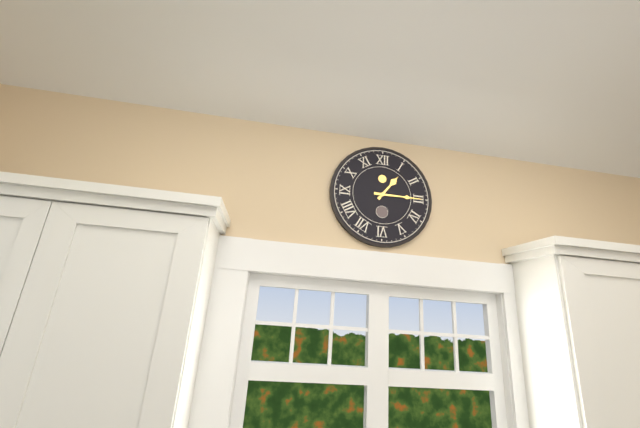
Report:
**1:15**
